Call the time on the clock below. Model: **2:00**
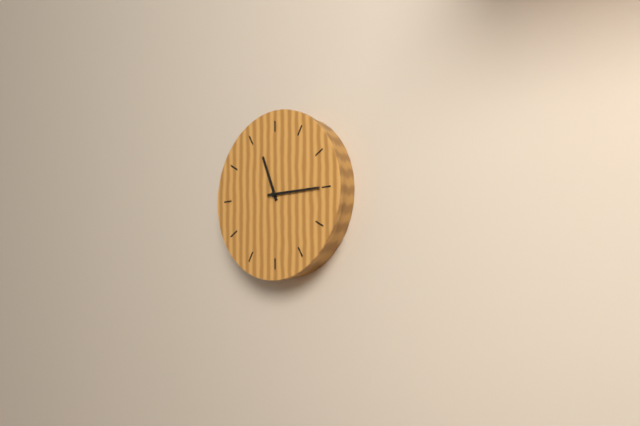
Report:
**11:15**
